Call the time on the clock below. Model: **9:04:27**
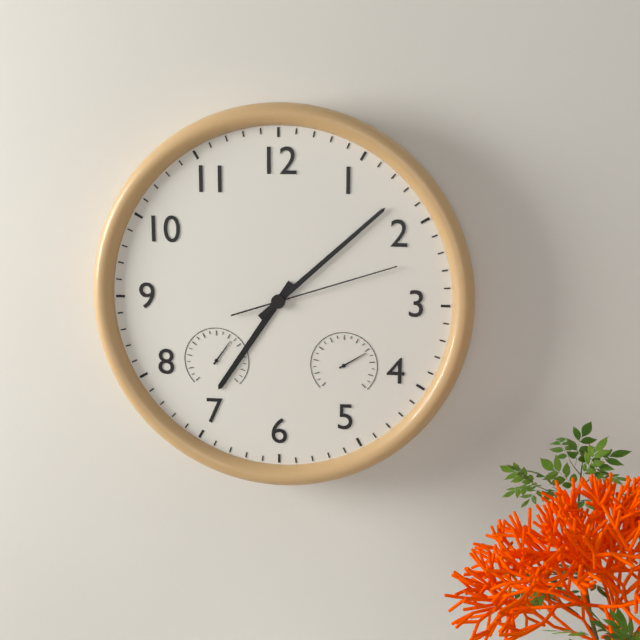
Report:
**7:08:12**
